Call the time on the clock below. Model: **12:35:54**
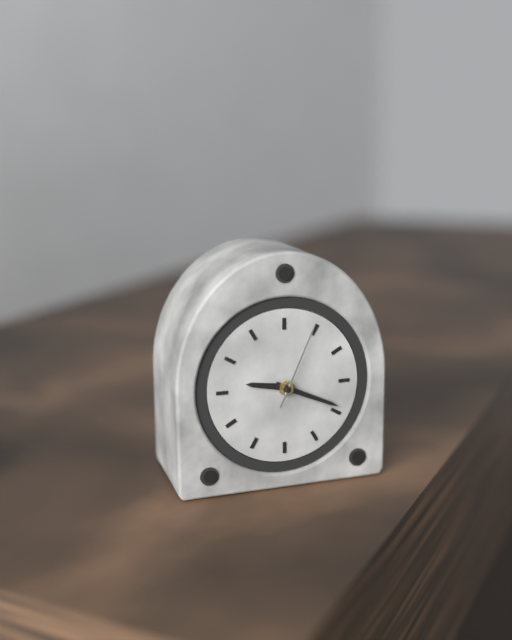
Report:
**9:19:04**
